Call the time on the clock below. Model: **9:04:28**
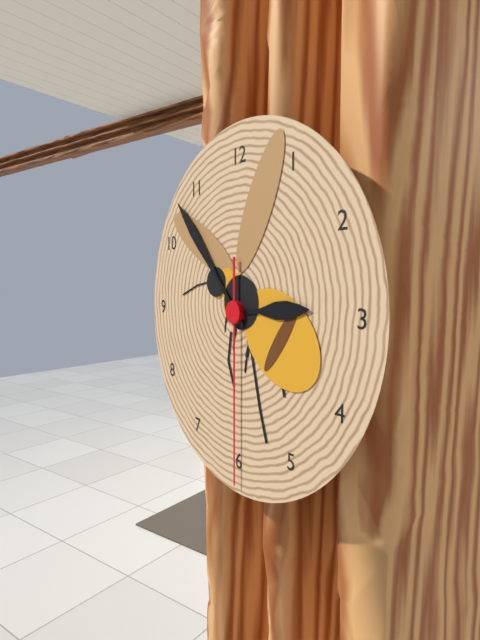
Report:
**2:53:30**
